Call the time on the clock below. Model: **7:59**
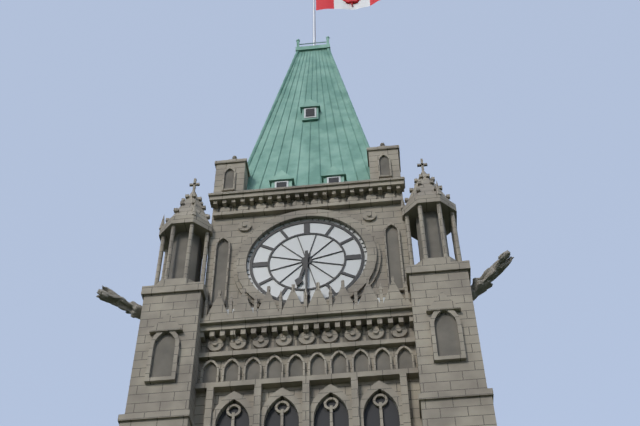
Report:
**6:30**
